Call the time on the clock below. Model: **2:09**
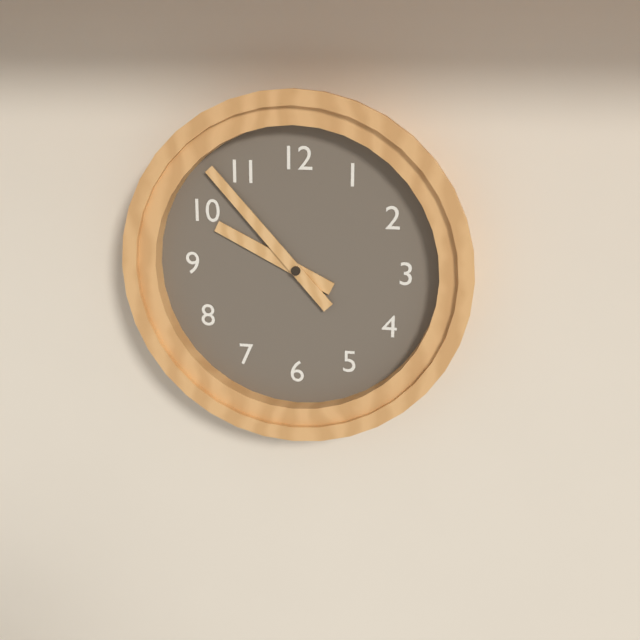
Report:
**9:53**
